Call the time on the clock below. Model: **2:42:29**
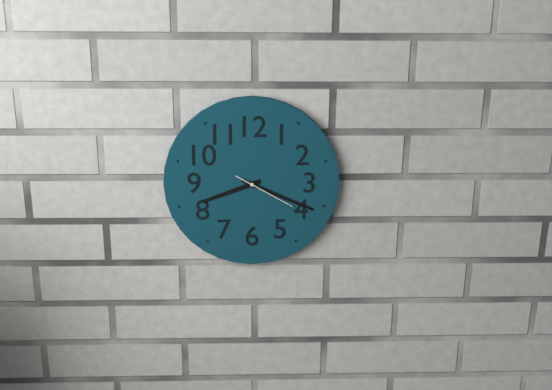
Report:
**8:19:20**
